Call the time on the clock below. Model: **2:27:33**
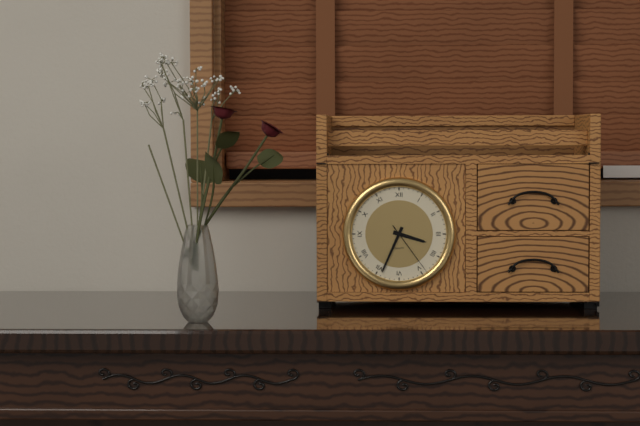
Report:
**3:34:24**
